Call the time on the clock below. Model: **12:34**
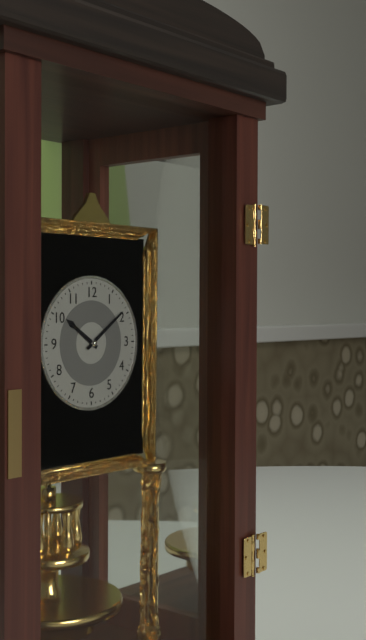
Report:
**10:09**
